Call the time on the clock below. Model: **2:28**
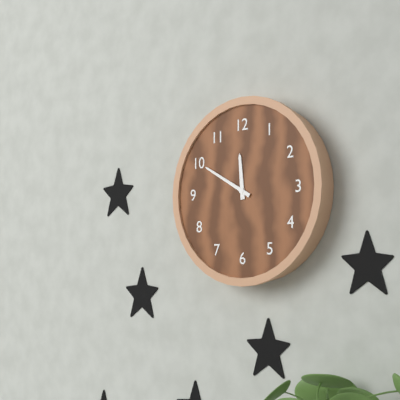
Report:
**11:50**
